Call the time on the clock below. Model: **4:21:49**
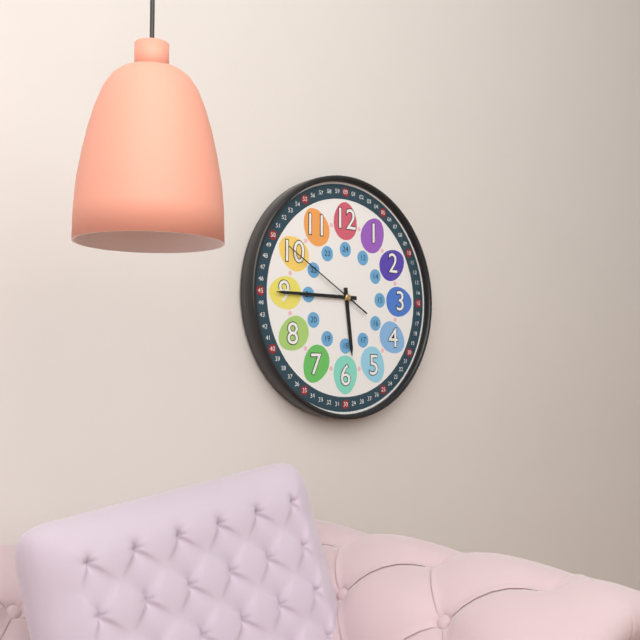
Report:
**5:45:50**
